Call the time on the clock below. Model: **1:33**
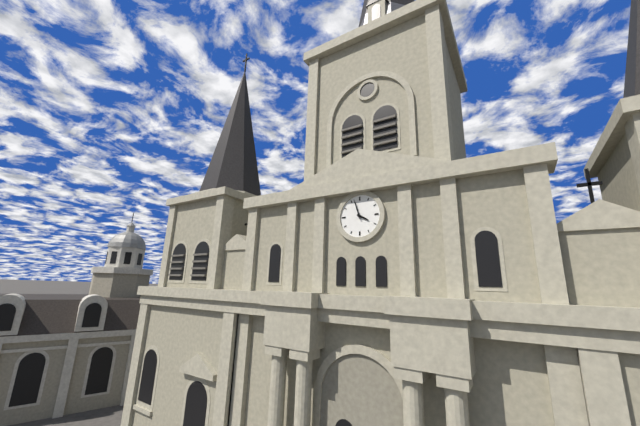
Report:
**3:57**
